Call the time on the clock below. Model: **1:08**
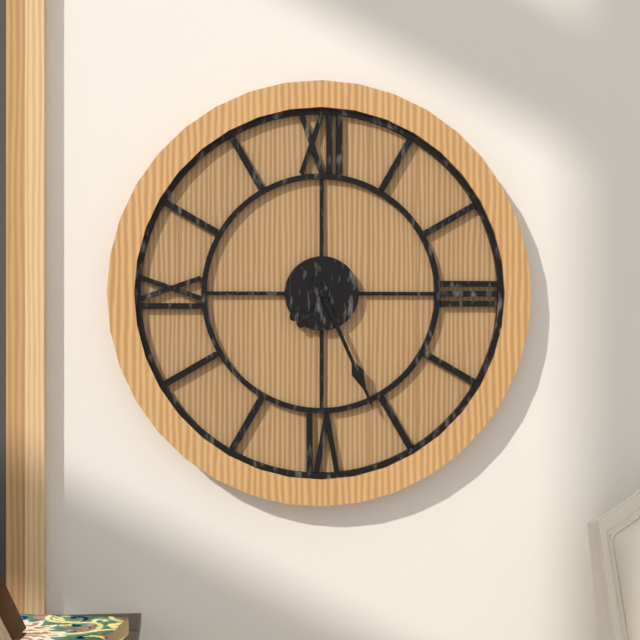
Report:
**7:26**
